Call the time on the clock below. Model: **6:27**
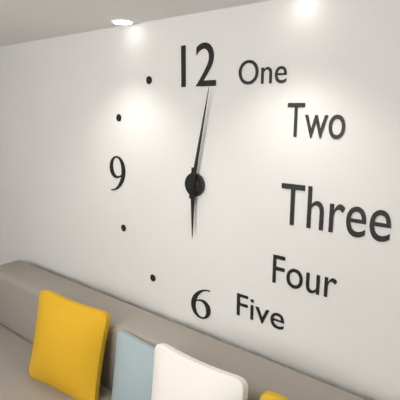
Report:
**6:02**
